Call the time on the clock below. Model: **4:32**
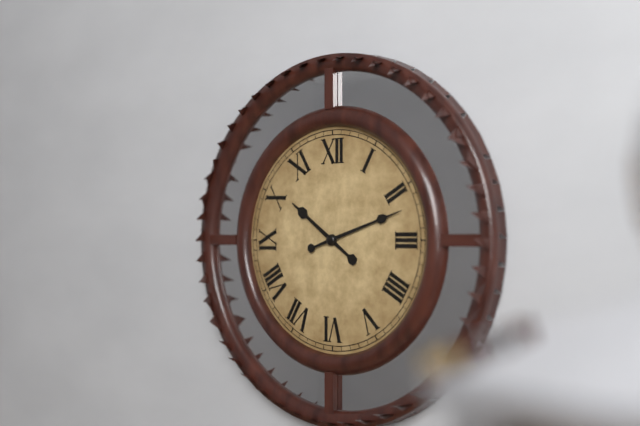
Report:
**10:12**
